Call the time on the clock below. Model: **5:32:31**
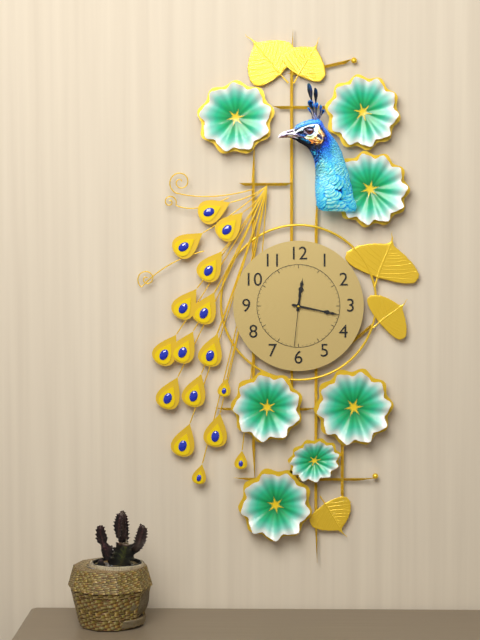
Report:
**12:17:31**
